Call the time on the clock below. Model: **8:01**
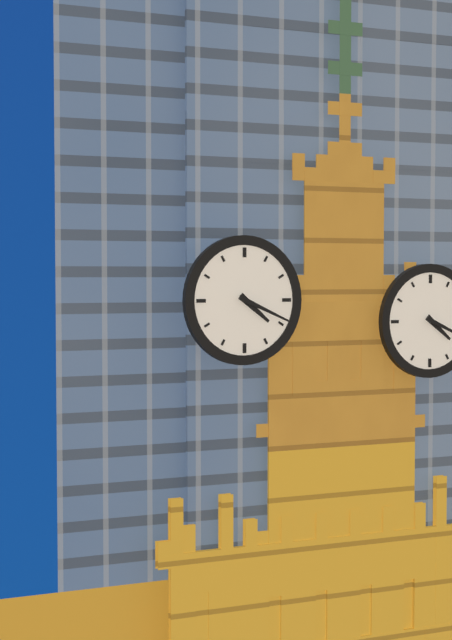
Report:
**4:19**
